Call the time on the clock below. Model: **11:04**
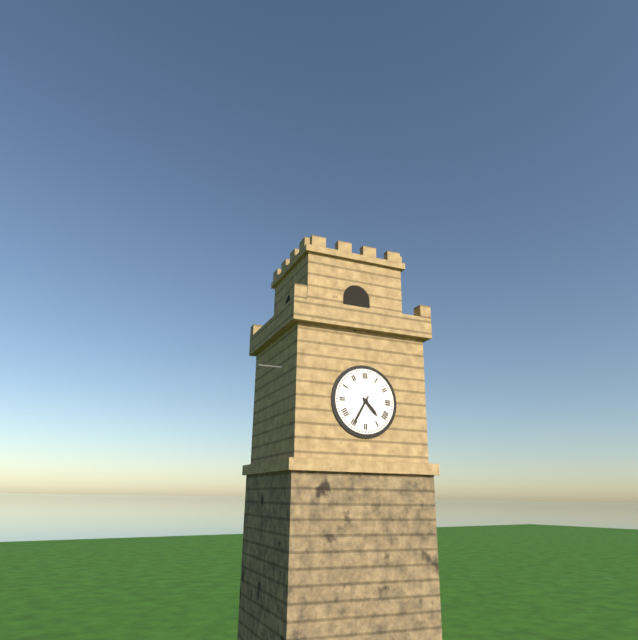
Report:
**4:35**
